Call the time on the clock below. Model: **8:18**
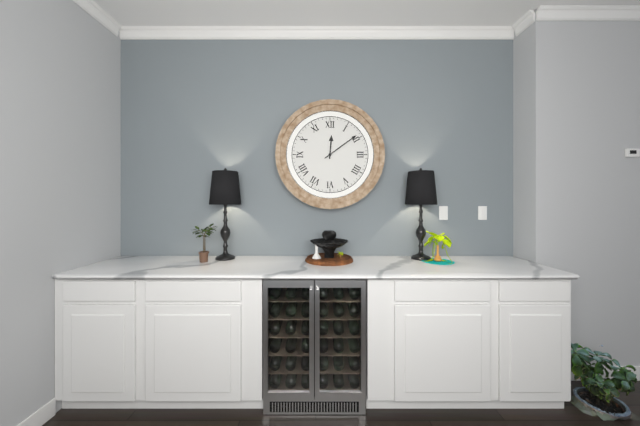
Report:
**12:09**
